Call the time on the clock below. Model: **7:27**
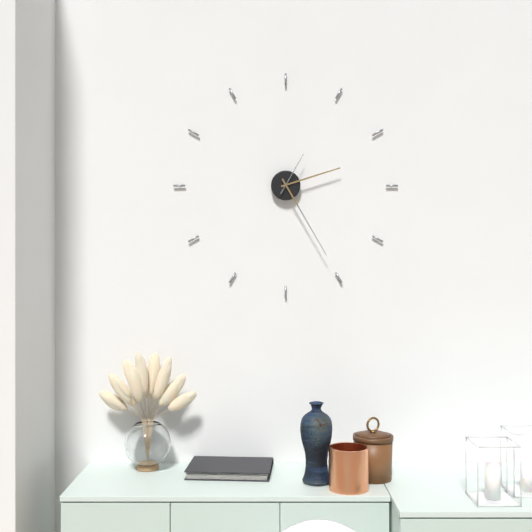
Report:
**2:25**
